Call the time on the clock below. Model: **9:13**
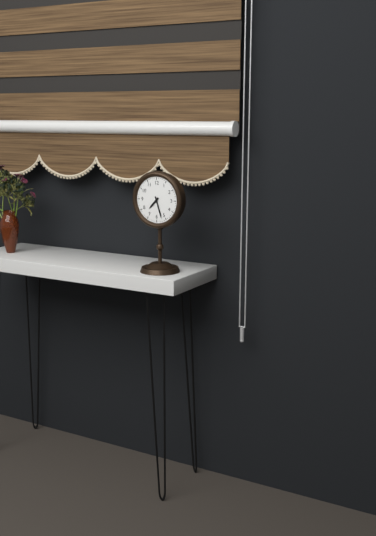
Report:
**7:27**
